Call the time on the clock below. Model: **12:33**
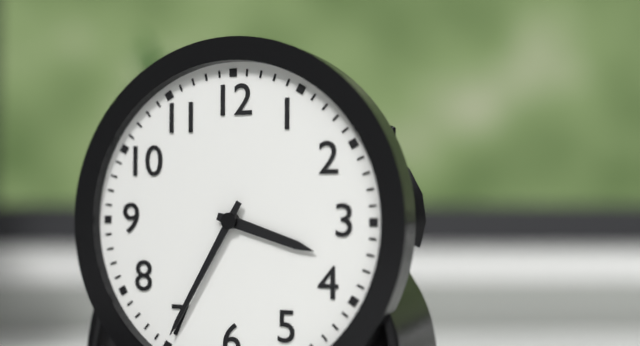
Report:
**3:35**
